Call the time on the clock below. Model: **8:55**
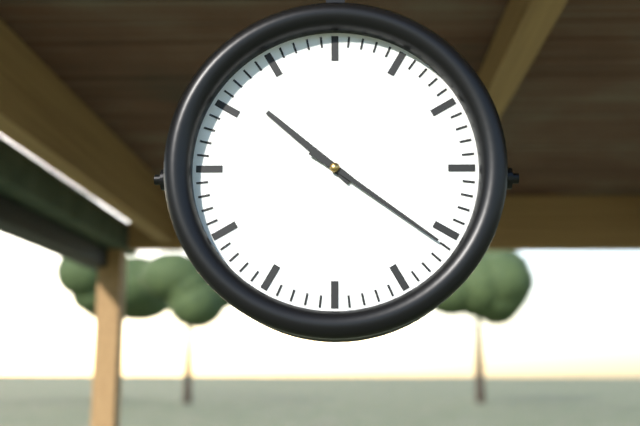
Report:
**10:21**
